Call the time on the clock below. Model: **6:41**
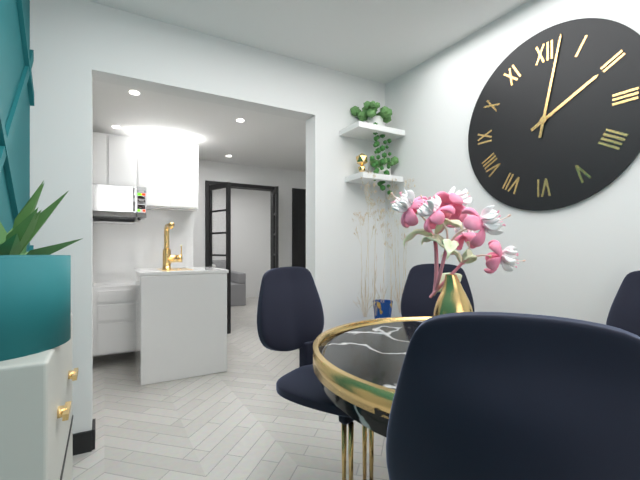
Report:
**2:02**
